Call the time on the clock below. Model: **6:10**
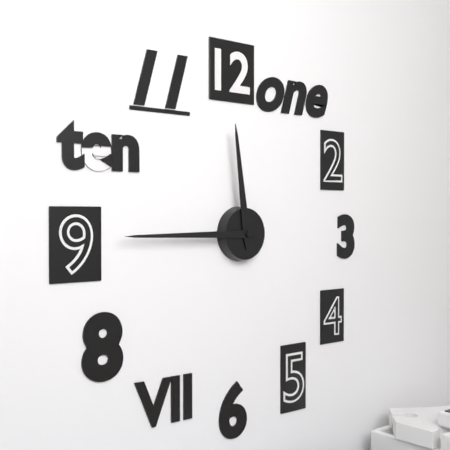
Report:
**11:45**
